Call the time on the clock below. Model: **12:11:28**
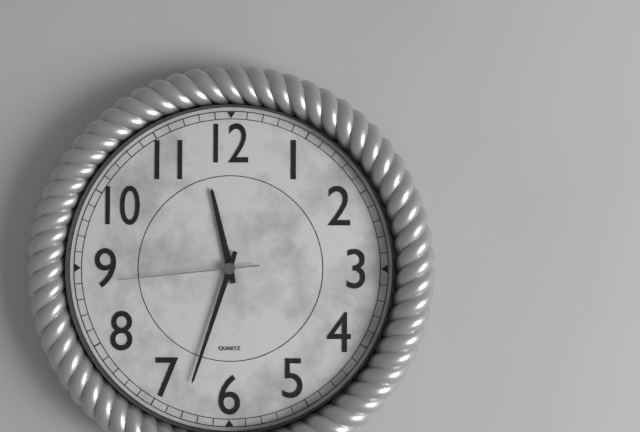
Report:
**11:33:44**
